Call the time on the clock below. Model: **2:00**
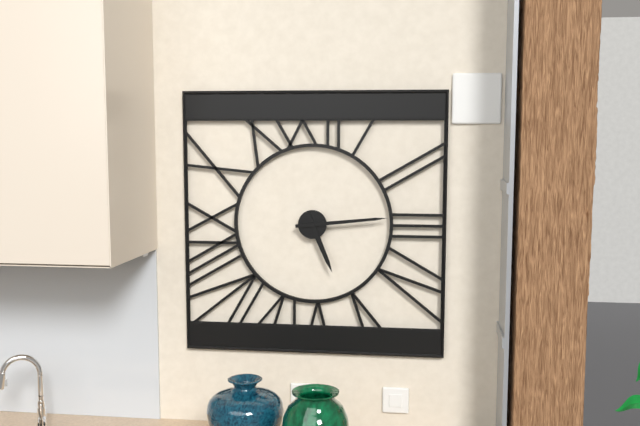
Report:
**5:14**
